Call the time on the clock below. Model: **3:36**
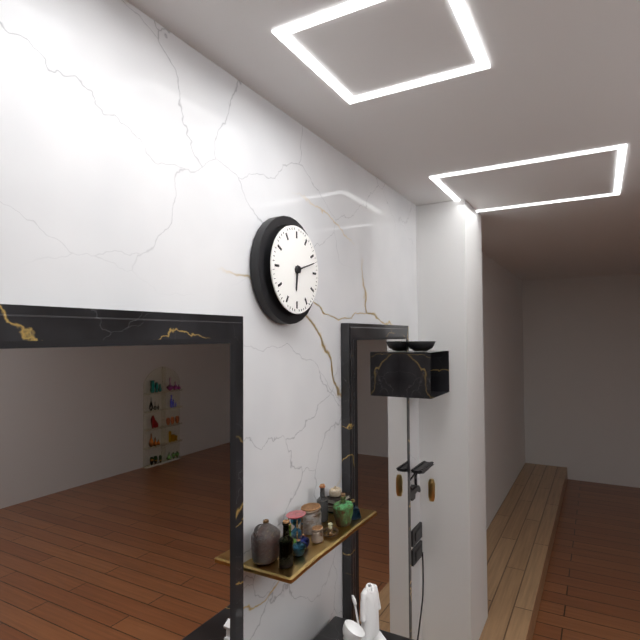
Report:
**6:12**
